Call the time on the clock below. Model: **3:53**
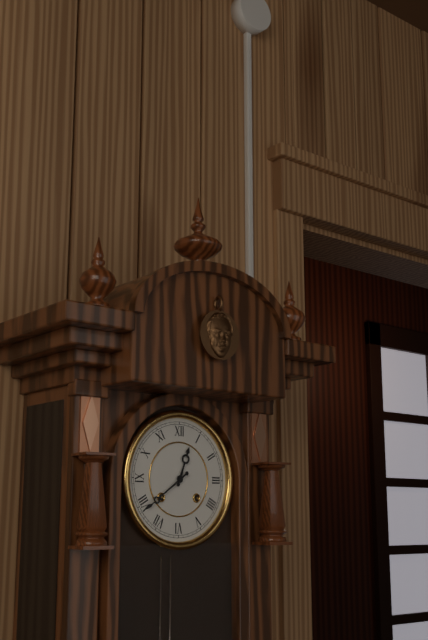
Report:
**12:39**
